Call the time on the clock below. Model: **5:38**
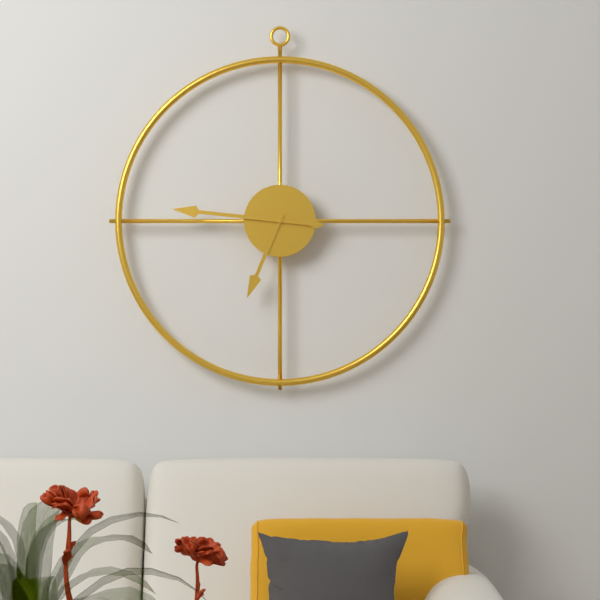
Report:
**6:46**
